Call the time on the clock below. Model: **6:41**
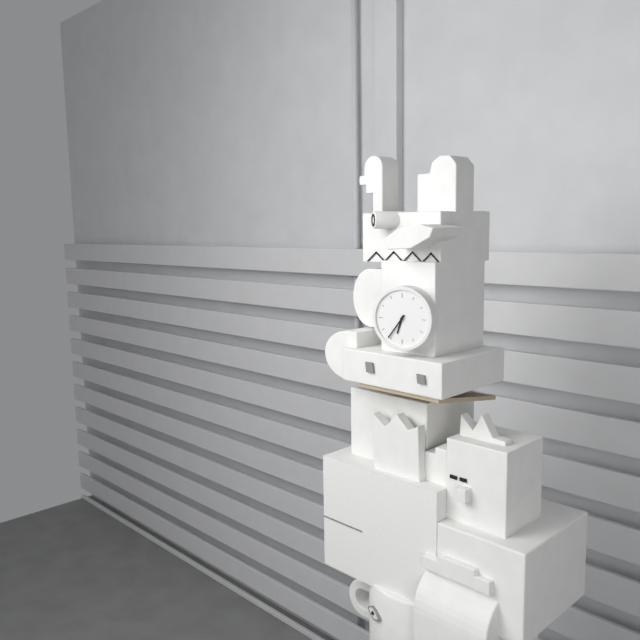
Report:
**6:36**
